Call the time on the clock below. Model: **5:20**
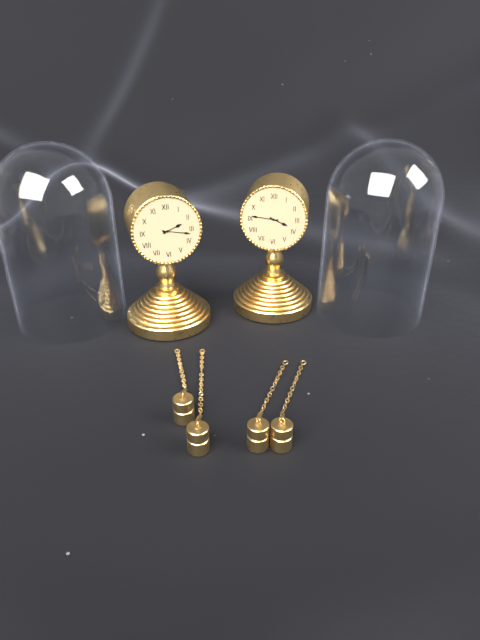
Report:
**2:17**
